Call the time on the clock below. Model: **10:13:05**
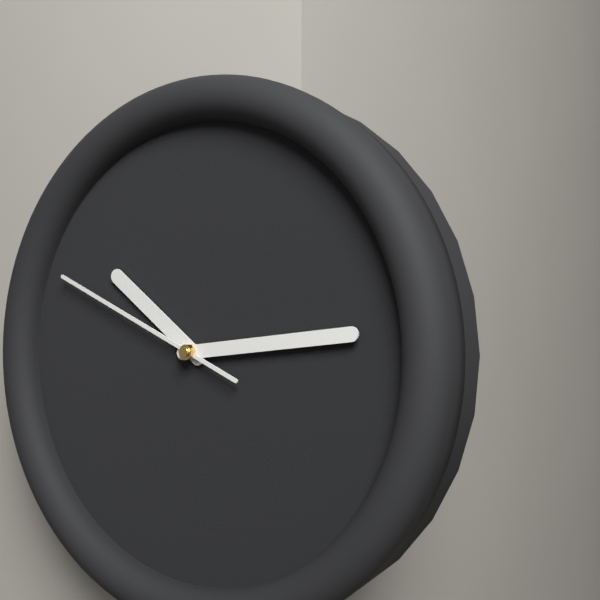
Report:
**10:14:49**
